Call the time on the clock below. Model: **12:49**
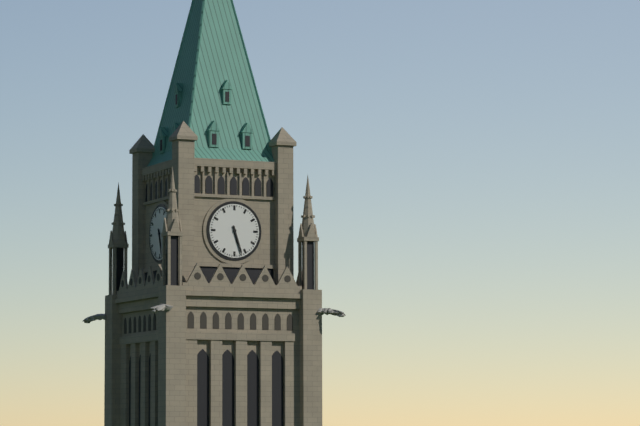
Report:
**5:27**
